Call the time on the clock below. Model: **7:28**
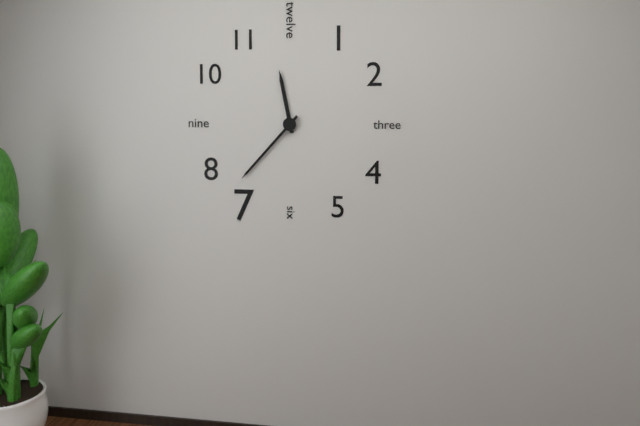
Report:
**11:37**
